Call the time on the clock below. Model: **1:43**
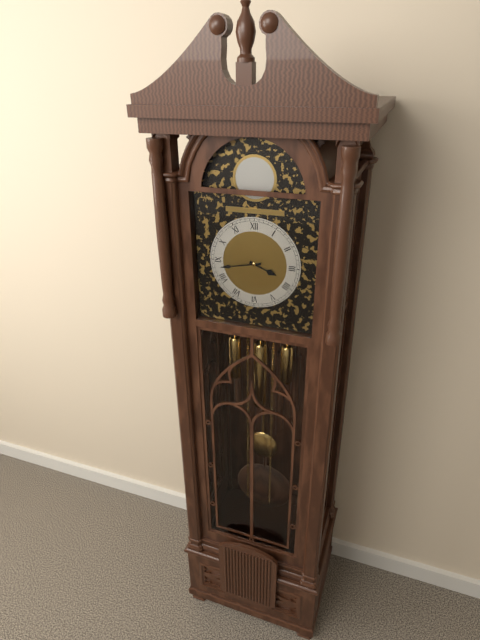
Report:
**3:43**
